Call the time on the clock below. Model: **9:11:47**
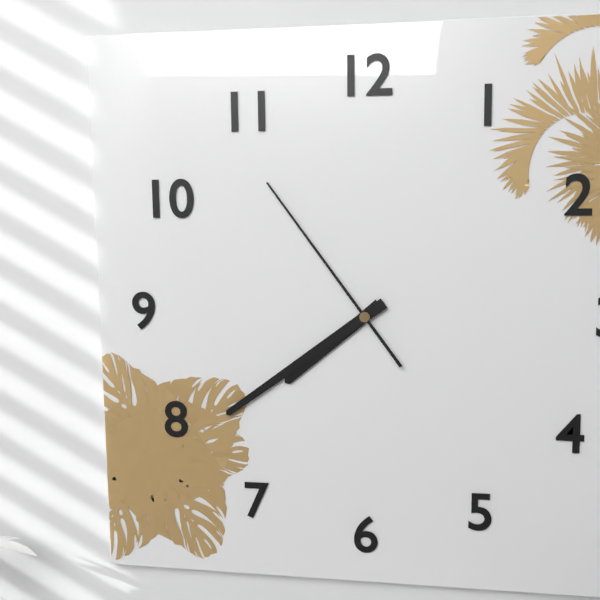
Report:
**7:39:54**
